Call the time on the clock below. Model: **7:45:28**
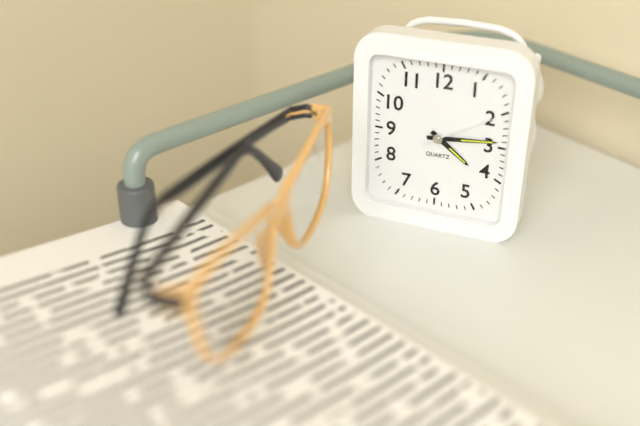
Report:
**4:14:10**
